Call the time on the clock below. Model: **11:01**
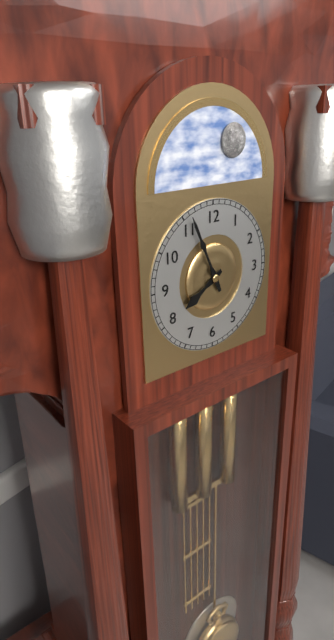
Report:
**7:56**
